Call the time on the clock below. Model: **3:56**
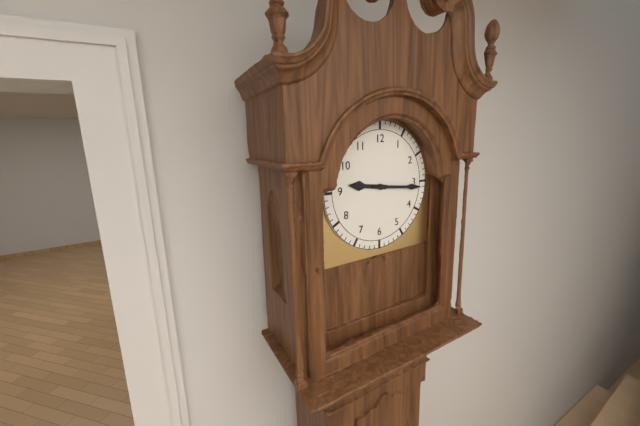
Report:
**9:16**
